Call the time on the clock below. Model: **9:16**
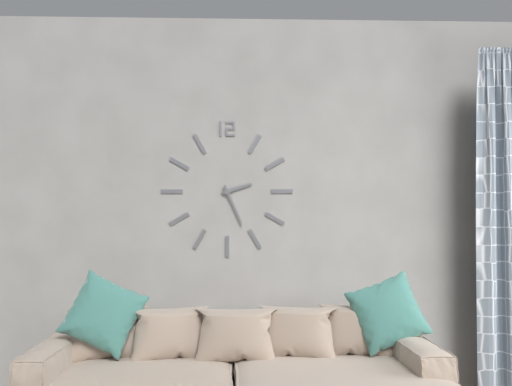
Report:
**2:26**
